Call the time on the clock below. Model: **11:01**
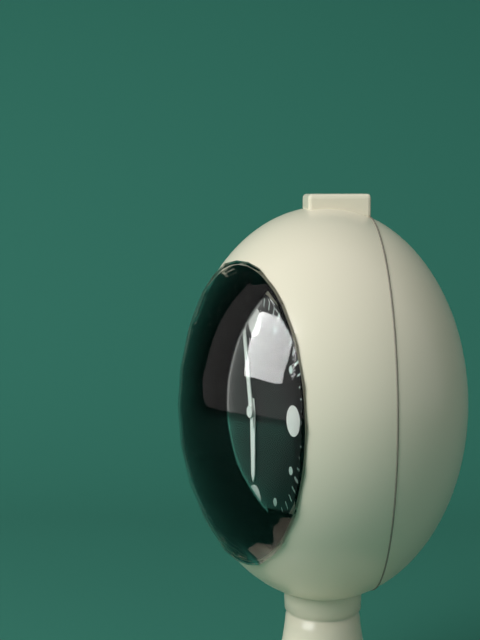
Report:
**5:58**
